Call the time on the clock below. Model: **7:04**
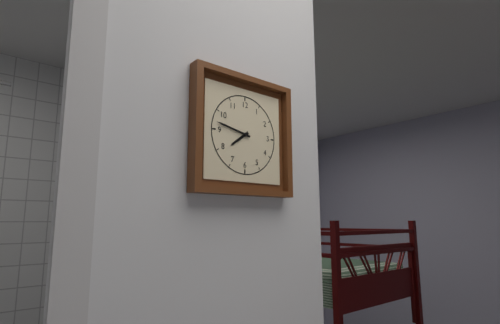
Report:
**7:47**
